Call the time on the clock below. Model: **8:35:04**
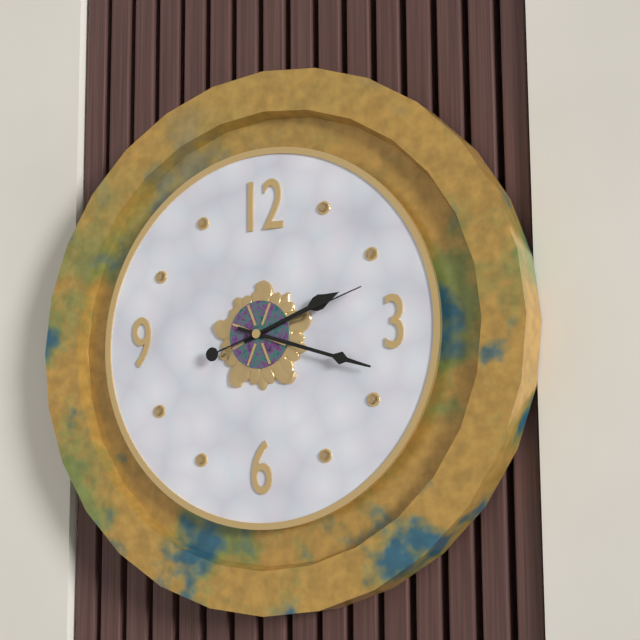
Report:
**2:18:12**
